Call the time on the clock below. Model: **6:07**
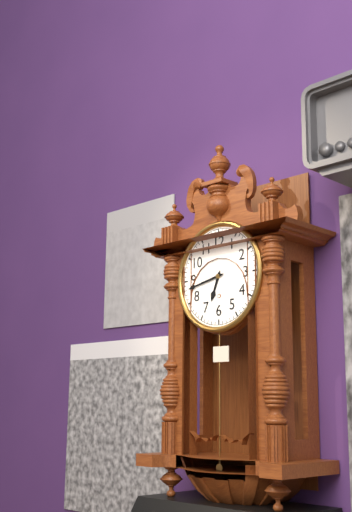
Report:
**6:43**
